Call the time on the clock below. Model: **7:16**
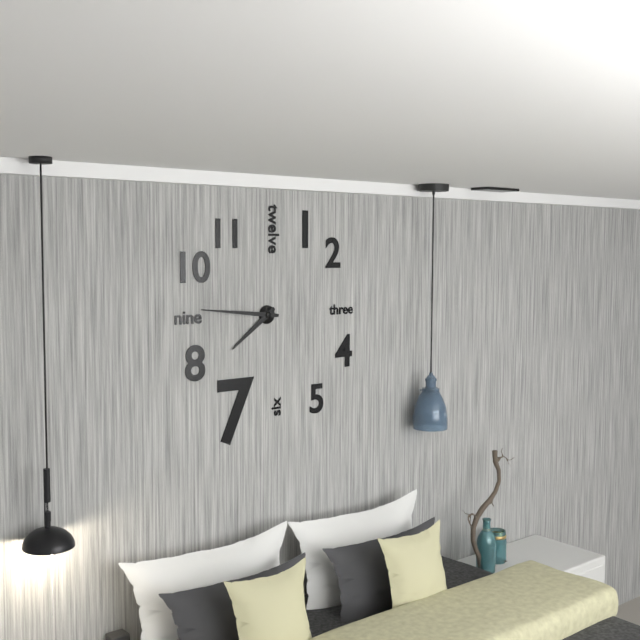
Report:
**7:46**
